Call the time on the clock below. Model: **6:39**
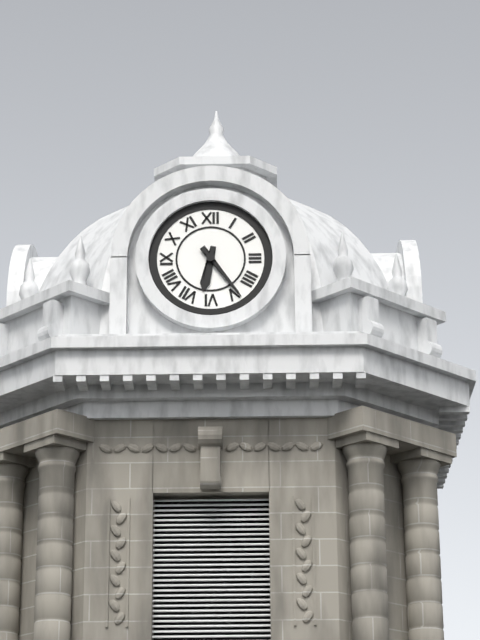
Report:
**6:24**
